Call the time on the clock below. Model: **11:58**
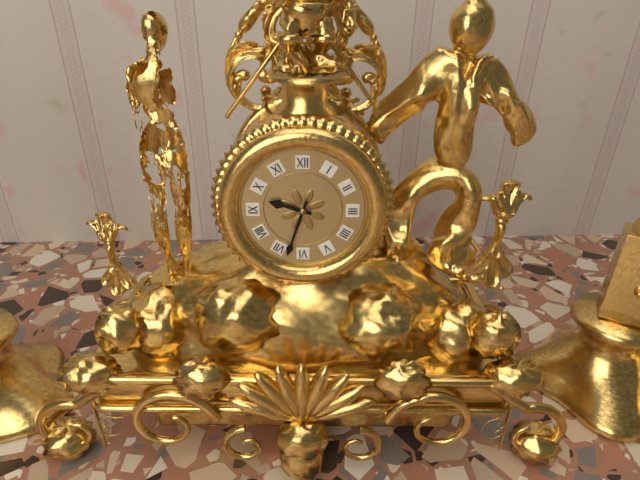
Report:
**9:33**
